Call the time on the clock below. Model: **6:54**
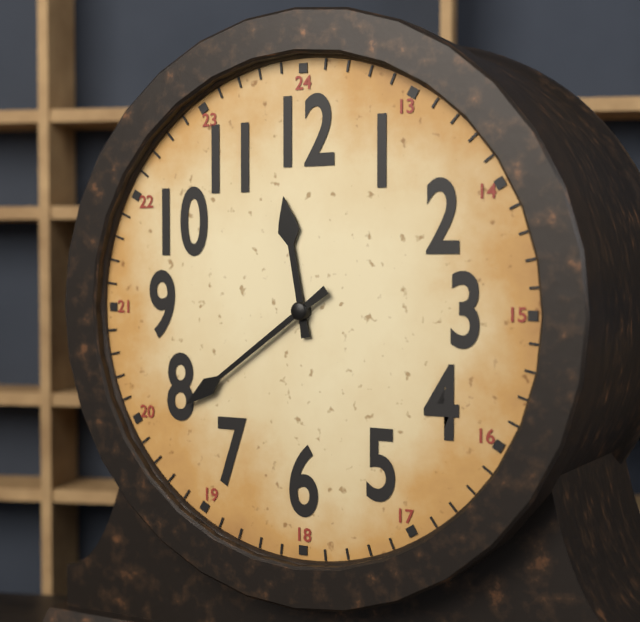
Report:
**11:39**
